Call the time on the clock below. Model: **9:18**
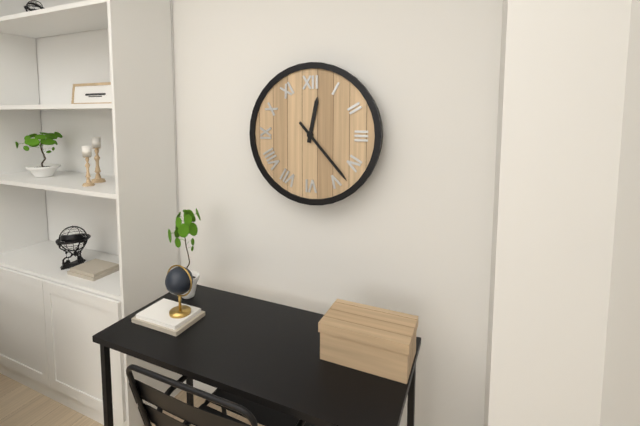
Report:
**12:23**
